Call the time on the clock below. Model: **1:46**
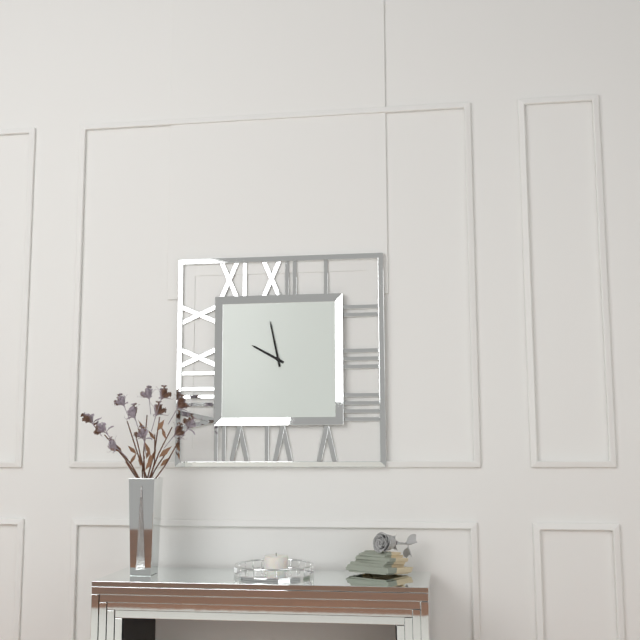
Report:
**9:58**
